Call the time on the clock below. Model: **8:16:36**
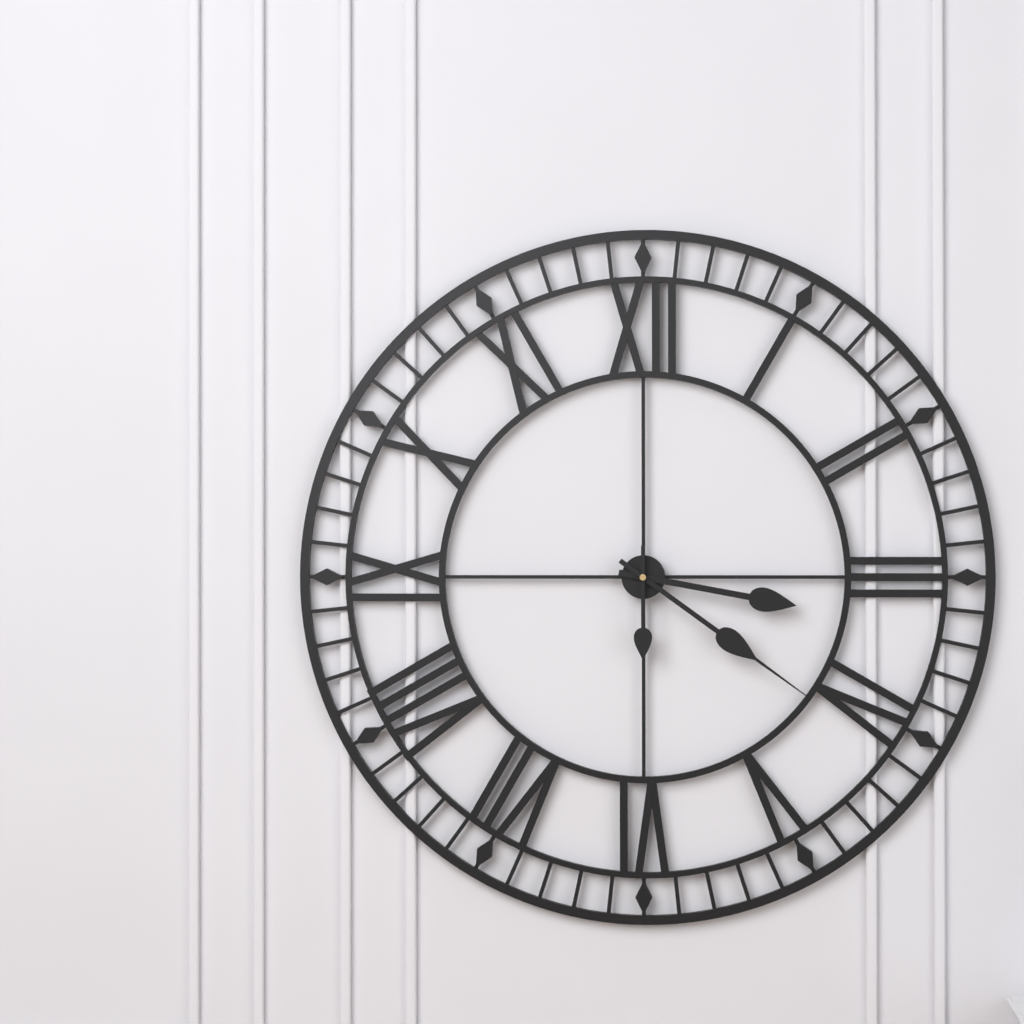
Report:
**3:21:30**
